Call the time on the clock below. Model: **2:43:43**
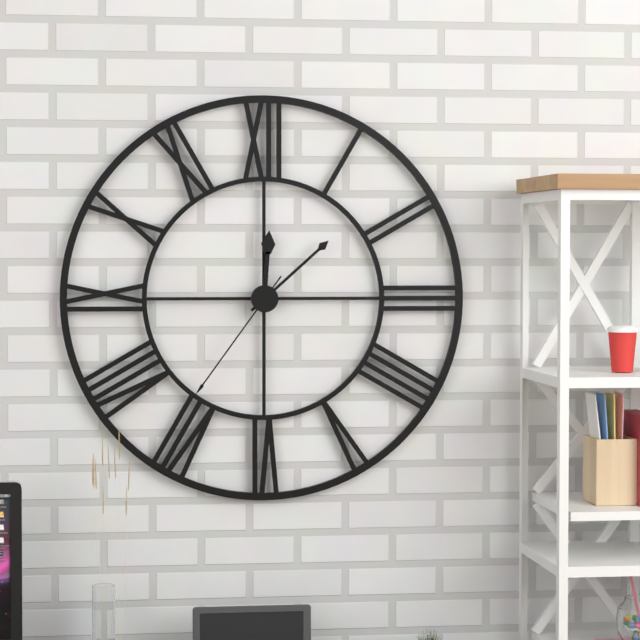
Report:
**12:08:36**
